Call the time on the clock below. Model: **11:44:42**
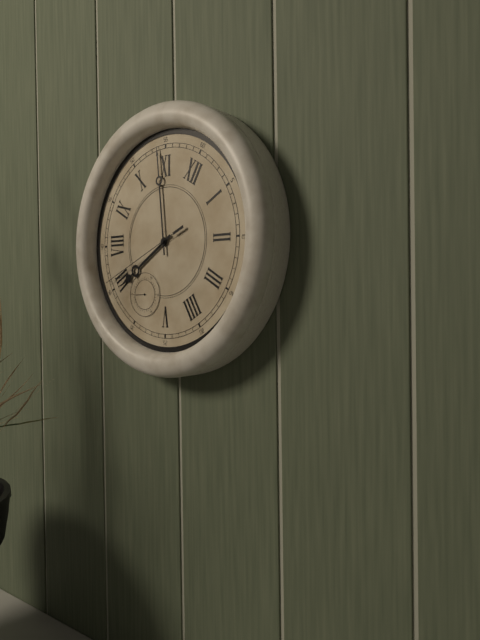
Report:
**6:54:36**
